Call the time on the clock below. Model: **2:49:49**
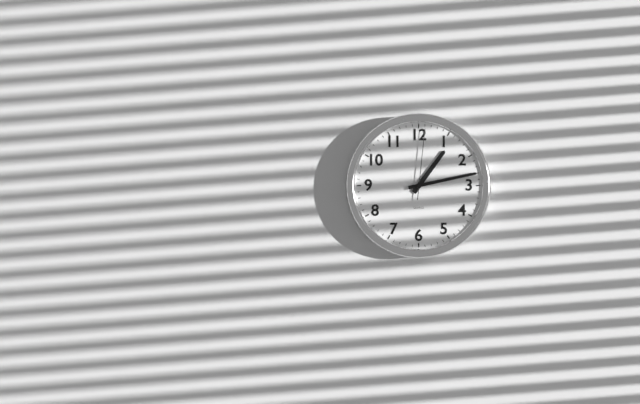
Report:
**1:13:01**
